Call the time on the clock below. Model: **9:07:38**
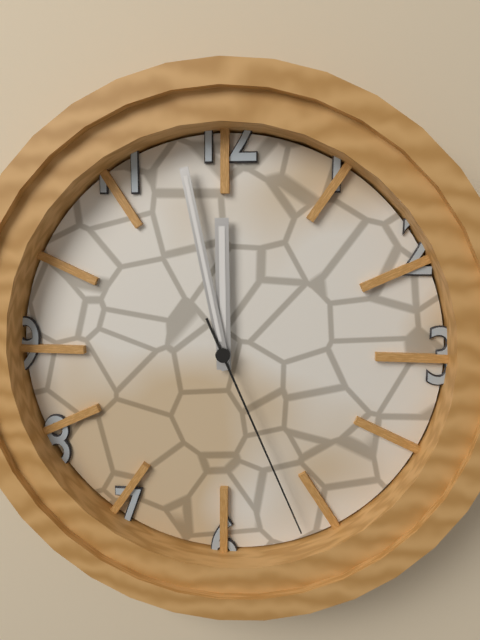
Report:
**11:58:26**
